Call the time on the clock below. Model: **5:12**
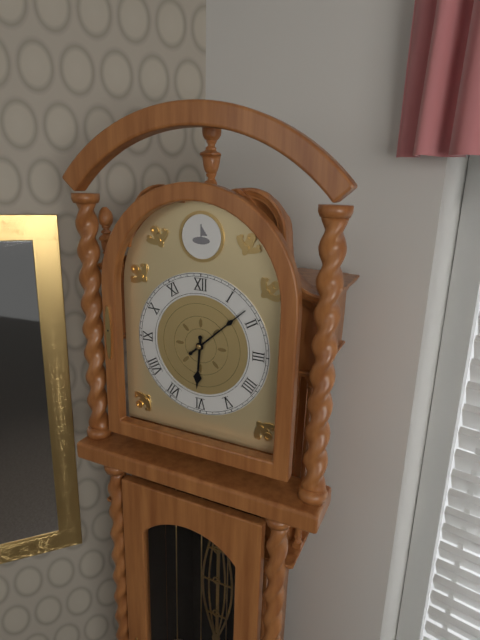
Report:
**6:08**
